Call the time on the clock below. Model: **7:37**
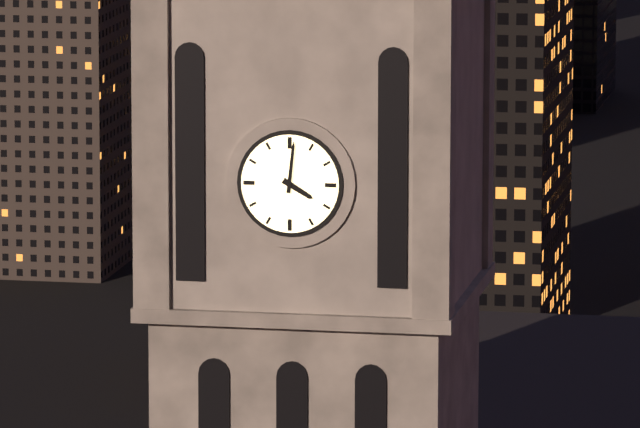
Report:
**4:01**
